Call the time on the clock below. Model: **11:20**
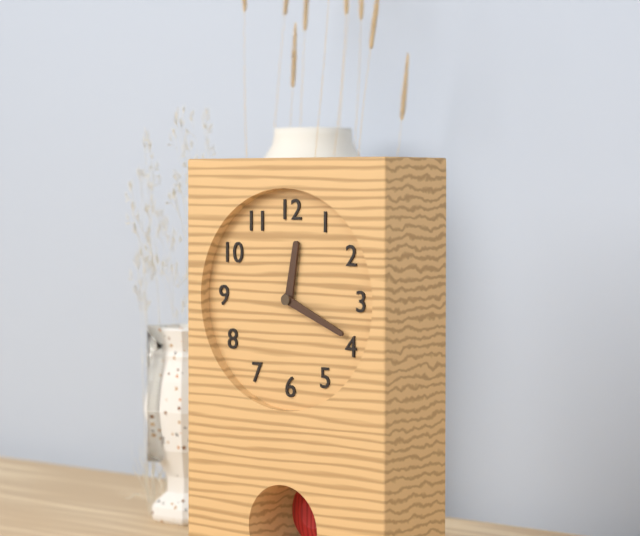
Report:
**12:19**
